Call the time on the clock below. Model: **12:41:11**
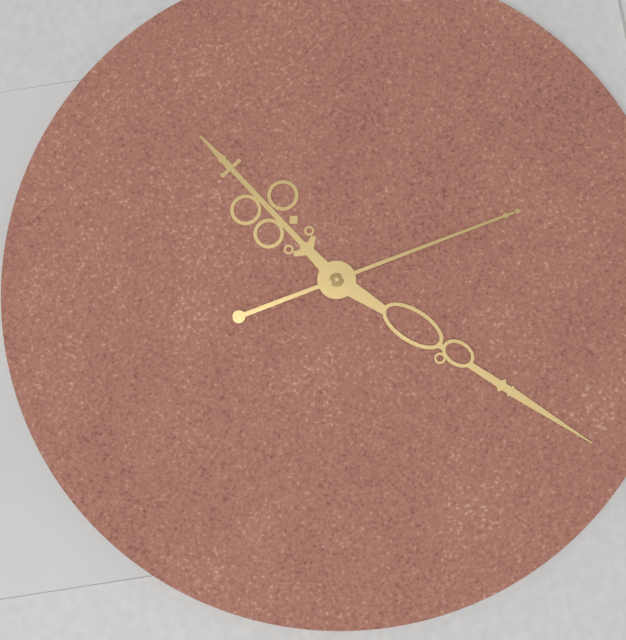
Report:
**4:52:43**
